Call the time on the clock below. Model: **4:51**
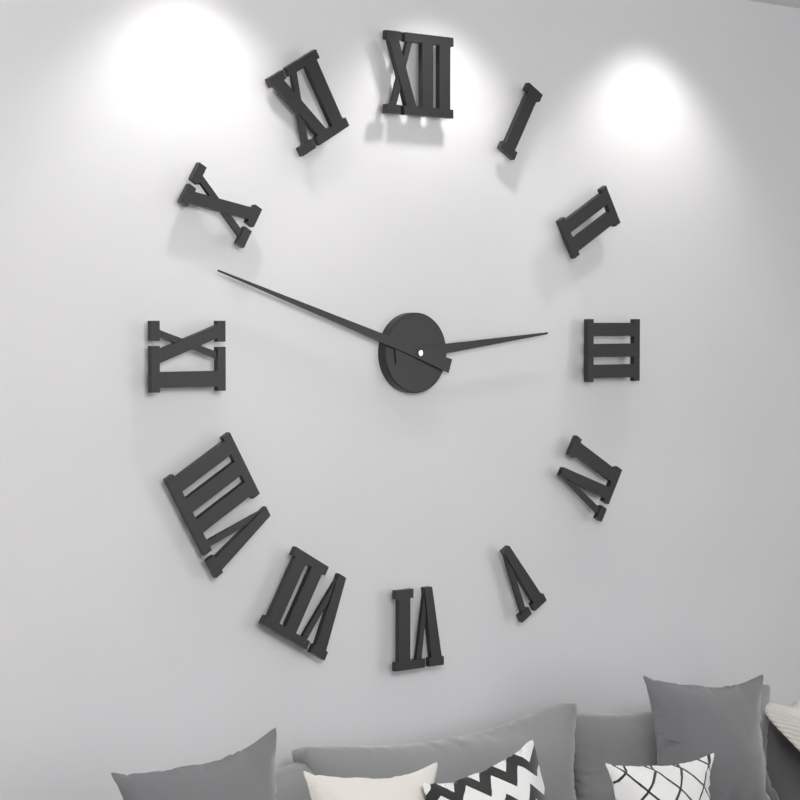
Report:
**2:48**
